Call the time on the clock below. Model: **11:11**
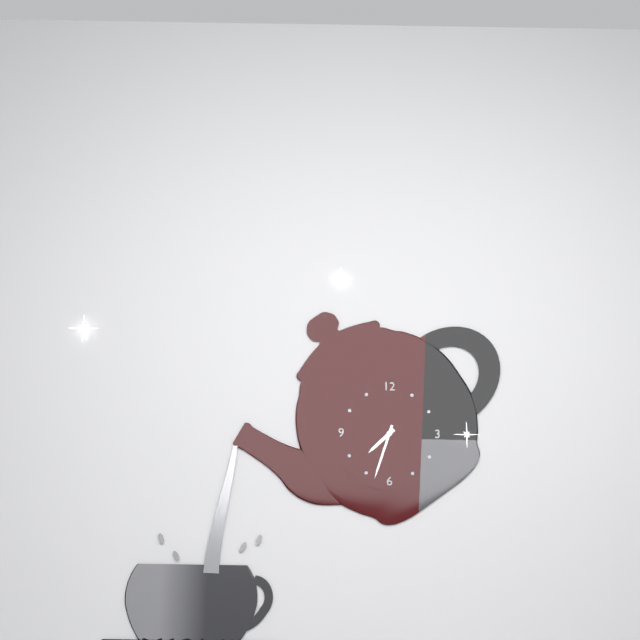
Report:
**7:33**
